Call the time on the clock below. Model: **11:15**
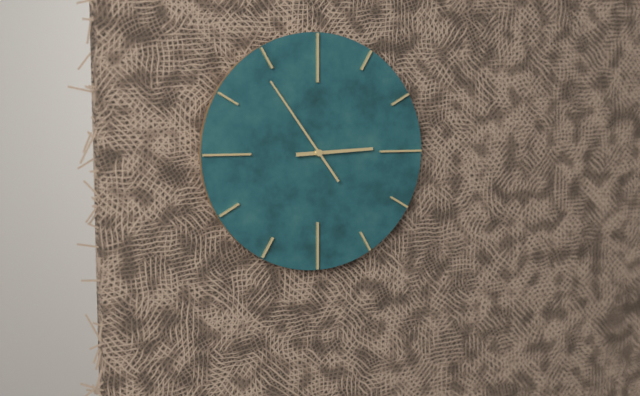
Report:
**2:54**
